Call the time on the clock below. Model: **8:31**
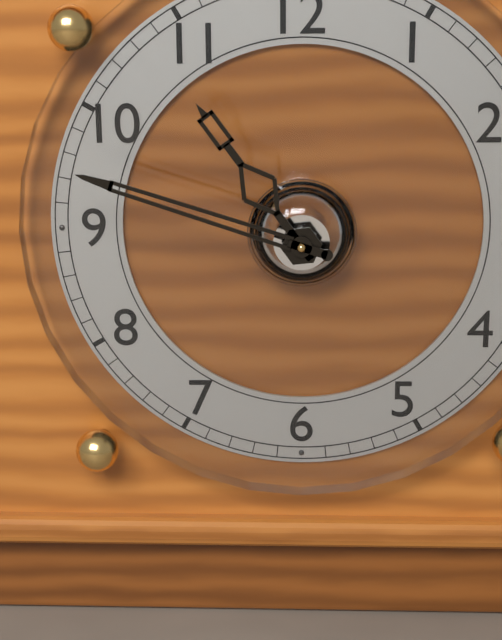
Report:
**10:48**
